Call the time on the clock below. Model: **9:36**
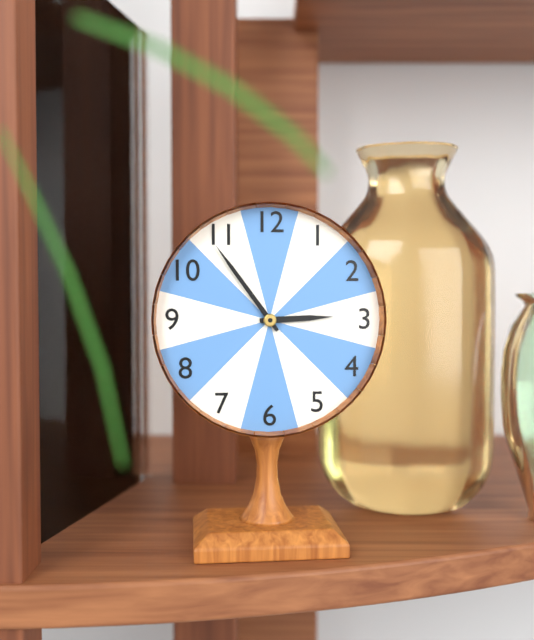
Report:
**2:54**
